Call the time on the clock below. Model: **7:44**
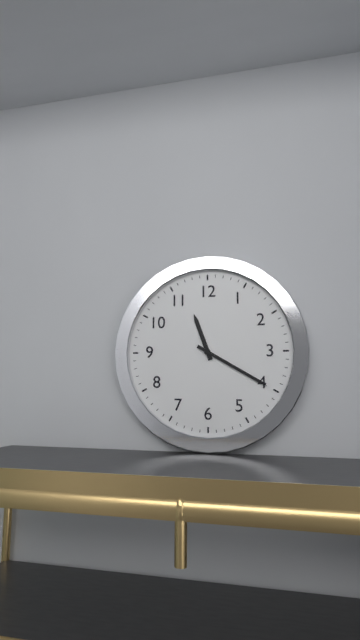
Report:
**11:20**
